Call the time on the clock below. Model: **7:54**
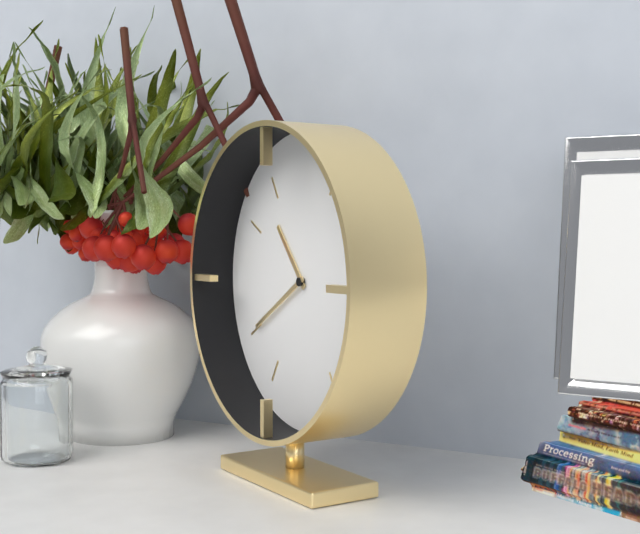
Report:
**10:40**
